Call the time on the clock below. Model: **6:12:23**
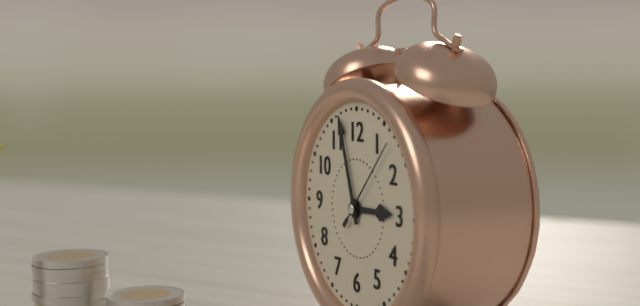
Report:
**2:57:07**
